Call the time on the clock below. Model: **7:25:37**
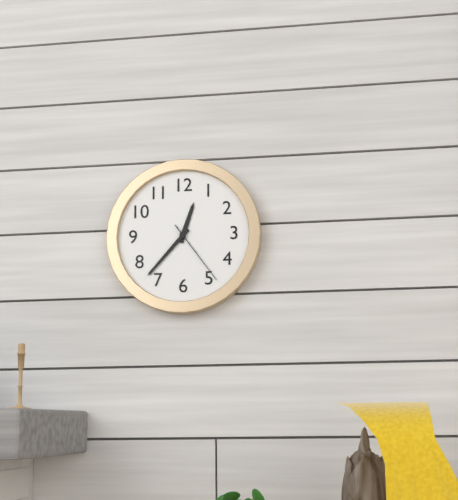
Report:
**12:37:24**
